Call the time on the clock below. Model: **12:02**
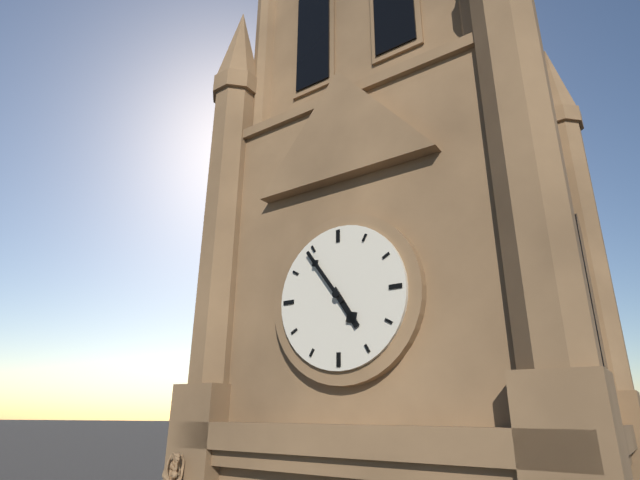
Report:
**4:54**
